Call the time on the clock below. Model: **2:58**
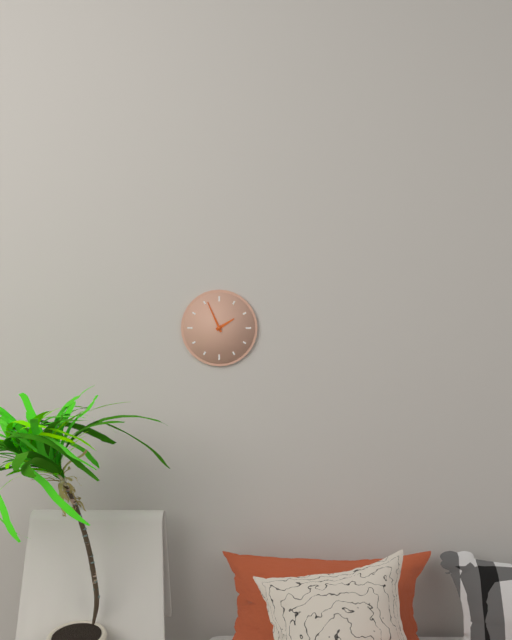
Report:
**1:56**
